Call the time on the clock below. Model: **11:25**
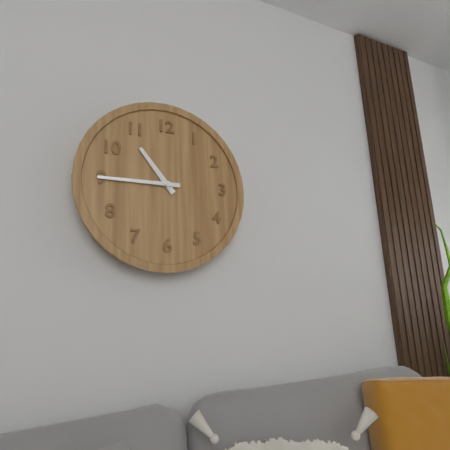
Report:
**10:45**
